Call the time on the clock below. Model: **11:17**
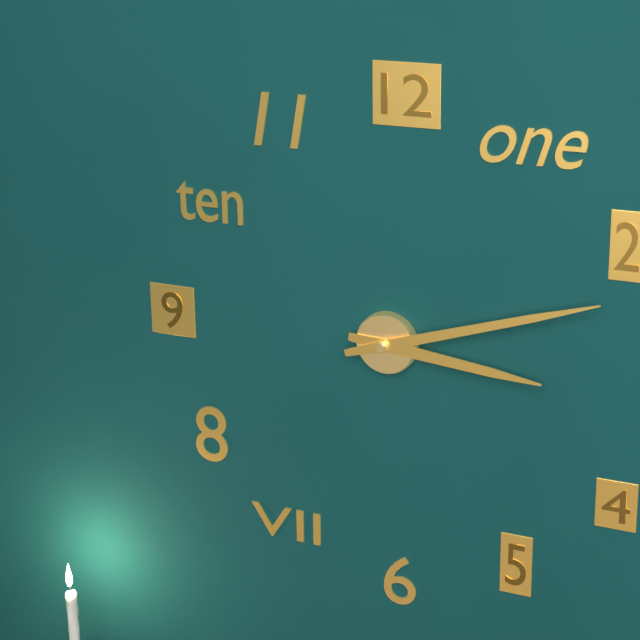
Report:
**3:12**
